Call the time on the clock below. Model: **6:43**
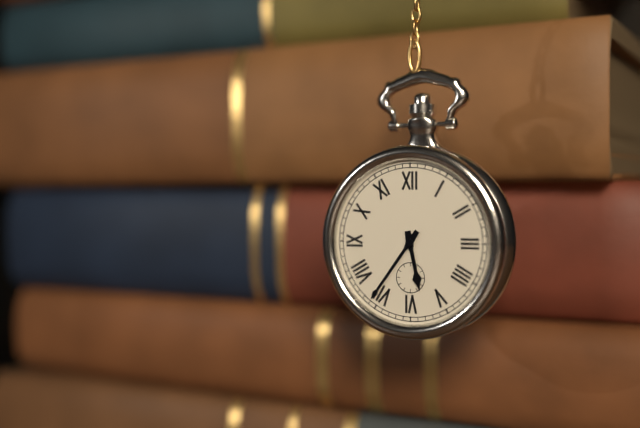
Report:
**5:36**
